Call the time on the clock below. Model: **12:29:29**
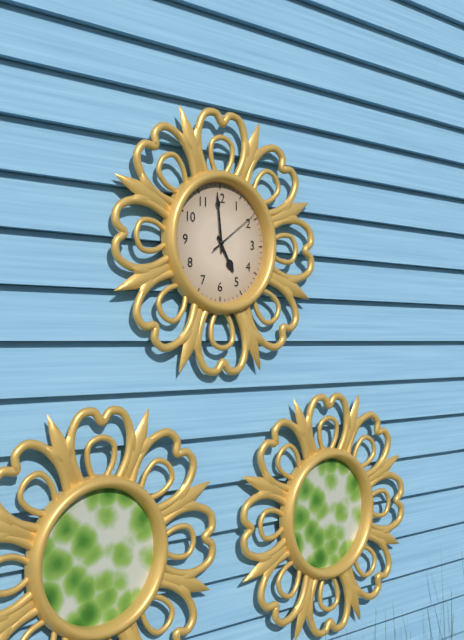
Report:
**4:59:09**
